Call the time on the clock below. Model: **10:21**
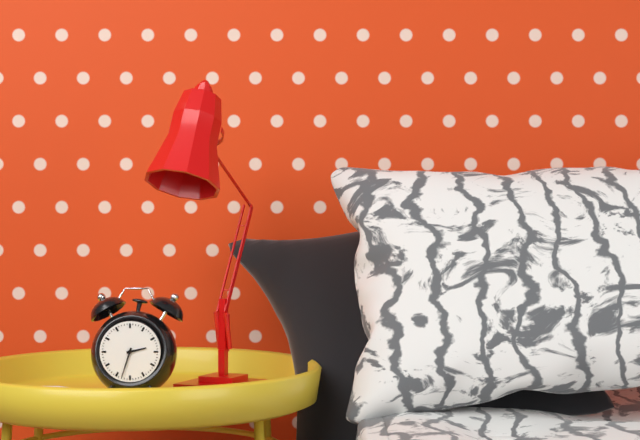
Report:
**2:33**
